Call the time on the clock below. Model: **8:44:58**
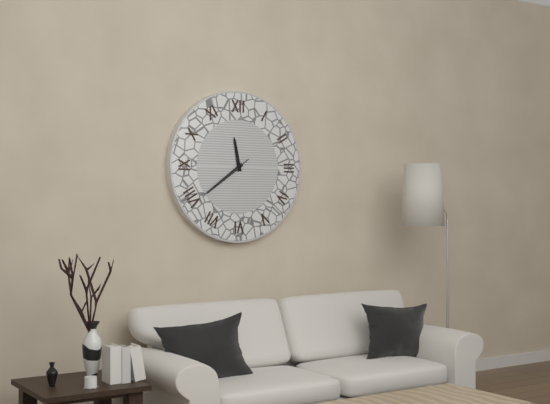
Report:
**11:39:39**
